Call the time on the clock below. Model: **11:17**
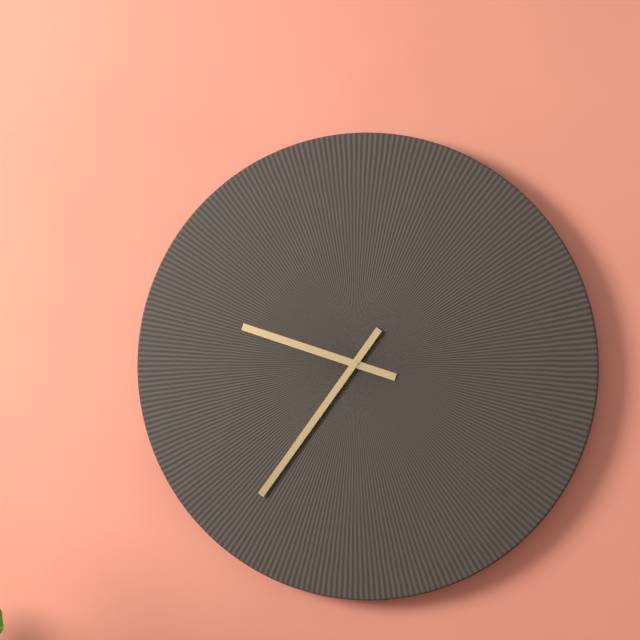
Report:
**9:36**
